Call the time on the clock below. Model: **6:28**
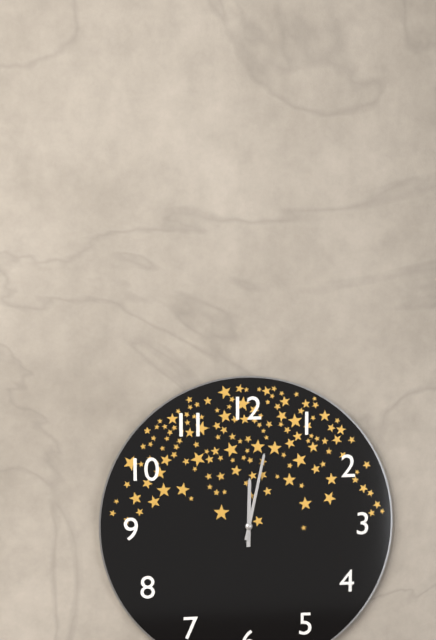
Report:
**12:02**
